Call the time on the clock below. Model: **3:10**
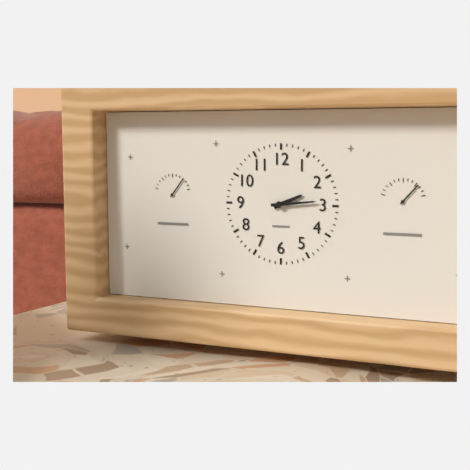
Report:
**2:14**
